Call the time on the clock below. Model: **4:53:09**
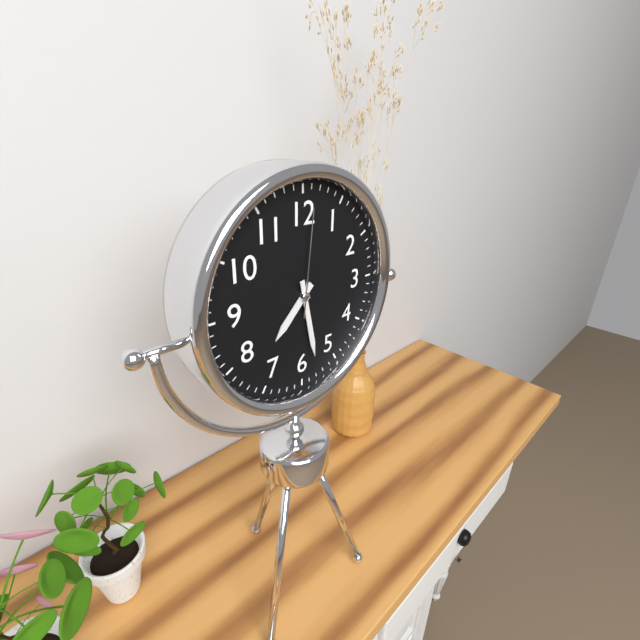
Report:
**7:28:01**
